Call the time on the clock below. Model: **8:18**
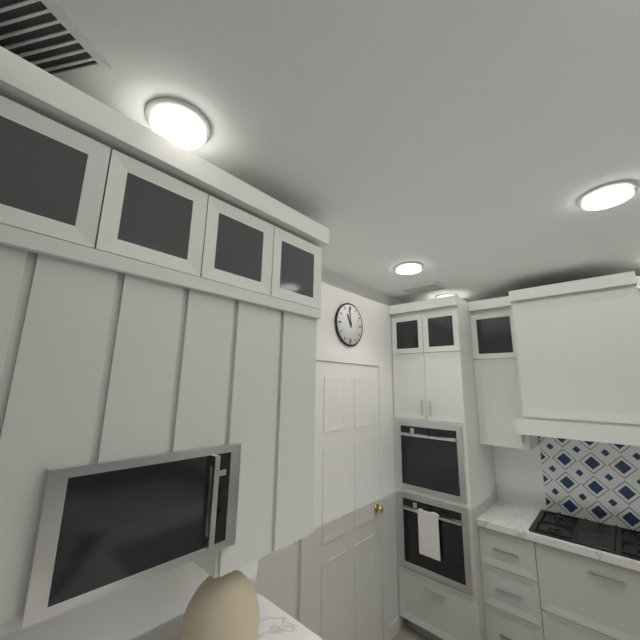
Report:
**10:59**
